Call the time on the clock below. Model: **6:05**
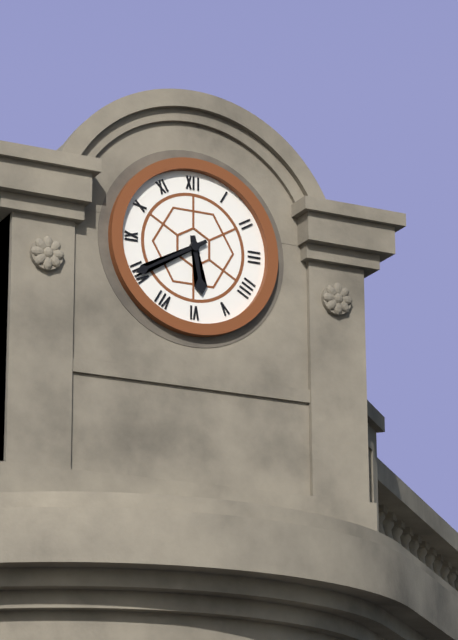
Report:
**5:40**
